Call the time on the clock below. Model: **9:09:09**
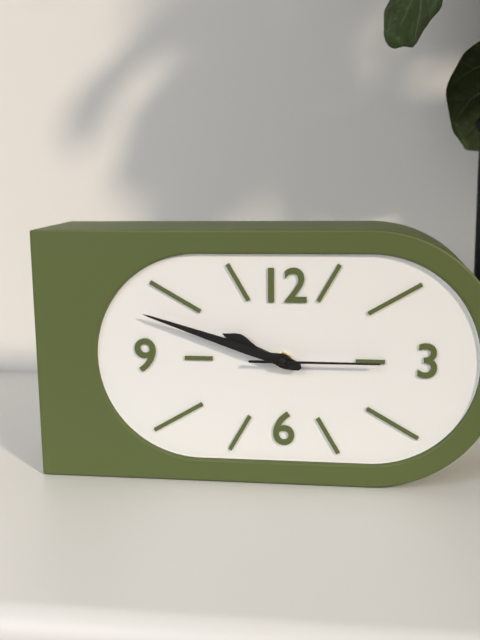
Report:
**9:48:15**
